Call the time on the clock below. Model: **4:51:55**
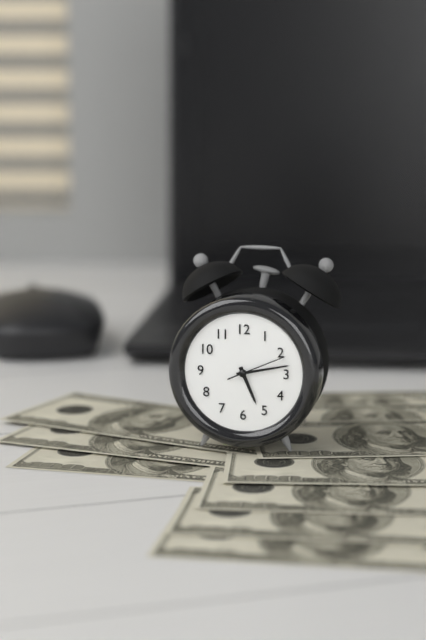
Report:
**5:13:11**
